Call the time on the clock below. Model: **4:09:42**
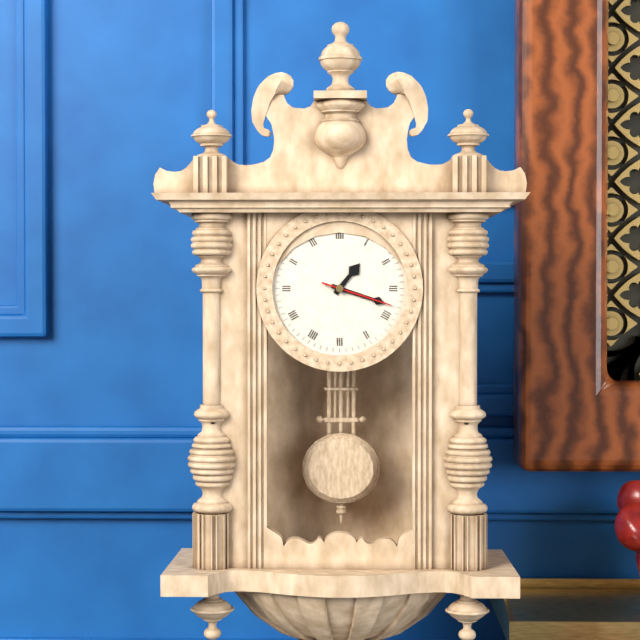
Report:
**1:18:18**
